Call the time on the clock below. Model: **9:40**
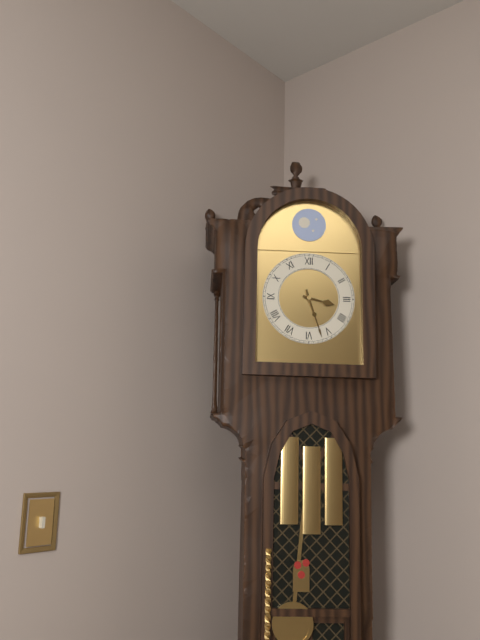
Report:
**3:27**
